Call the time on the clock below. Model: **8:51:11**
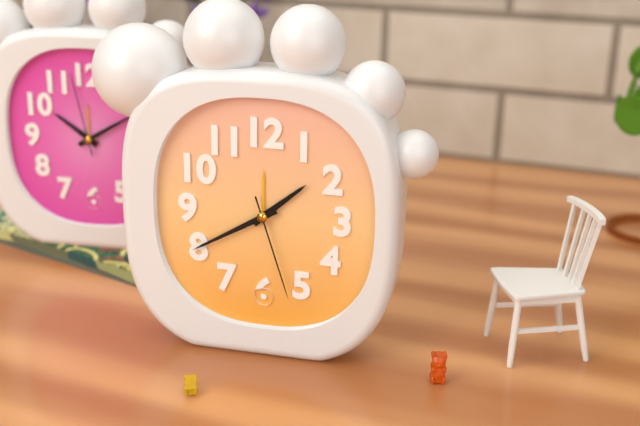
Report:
**1:40:27**
